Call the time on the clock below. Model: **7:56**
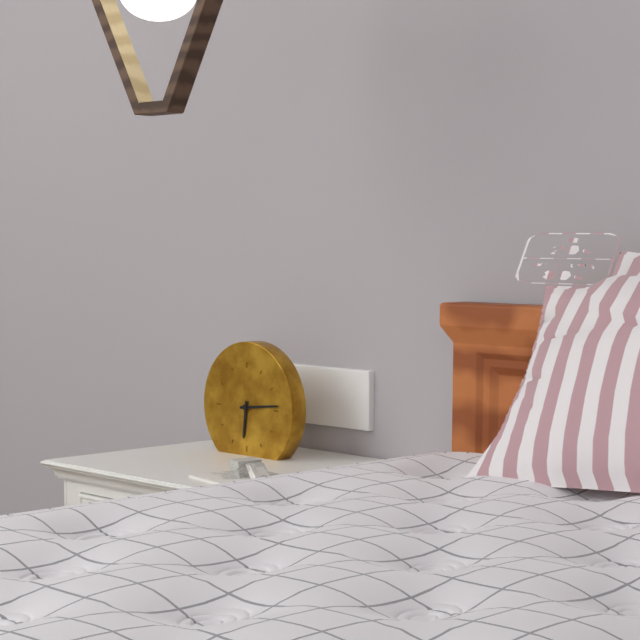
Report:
**6:14**
